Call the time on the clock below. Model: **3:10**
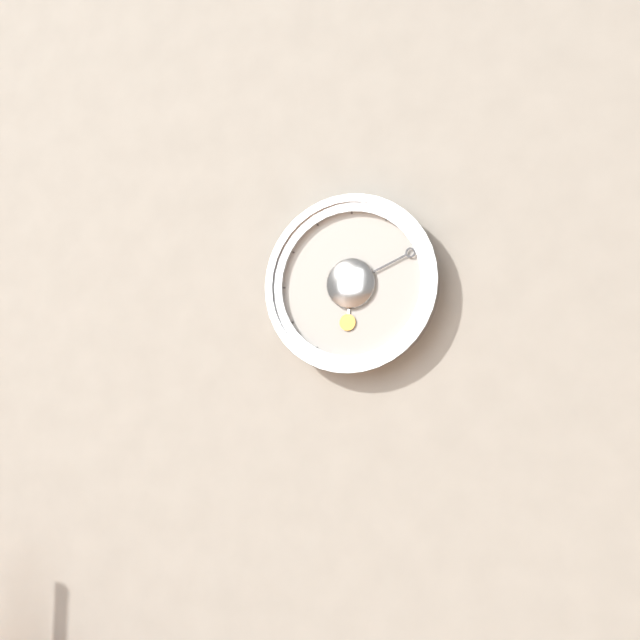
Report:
**6:11**
